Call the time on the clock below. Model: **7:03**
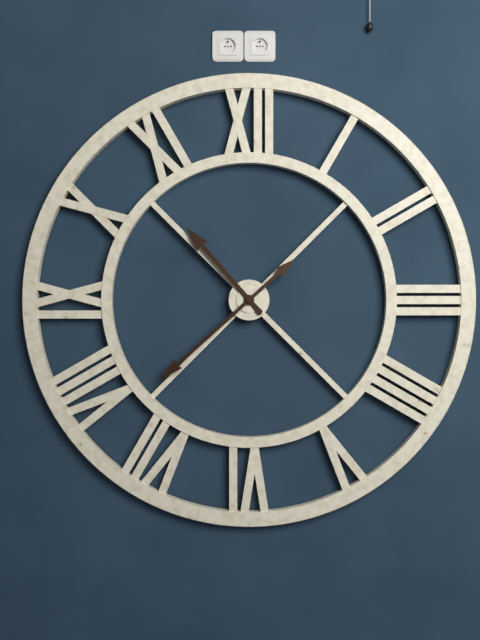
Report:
**10:38**
